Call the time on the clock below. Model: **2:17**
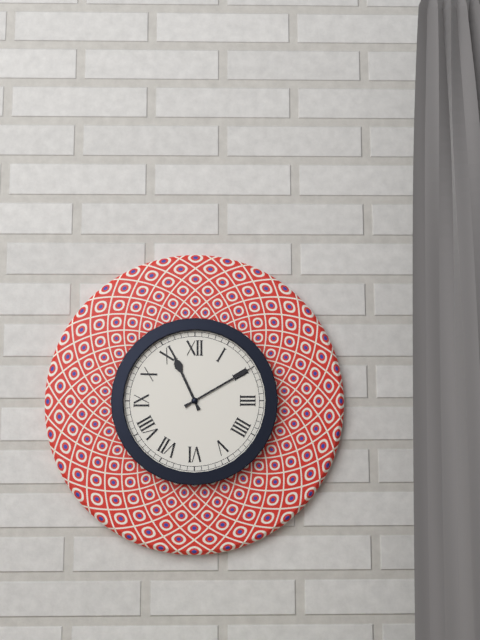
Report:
**11:10**
